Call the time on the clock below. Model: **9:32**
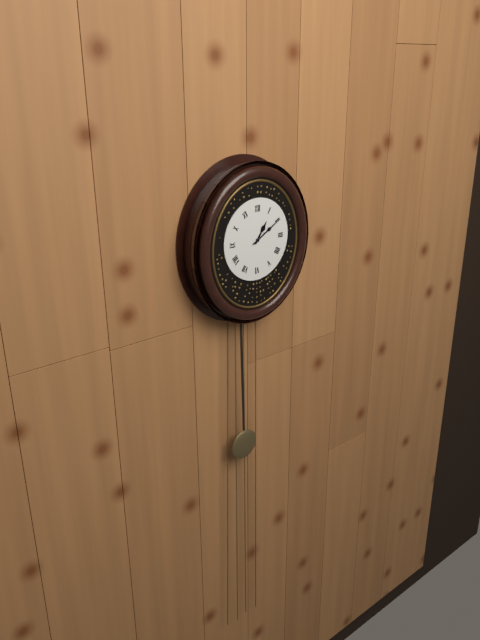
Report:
**1:10**
